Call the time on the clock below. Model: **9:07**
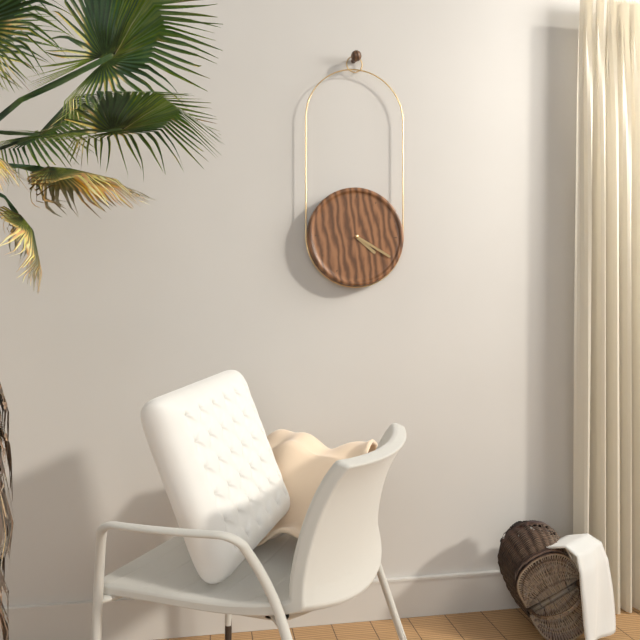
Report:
**4:20**
